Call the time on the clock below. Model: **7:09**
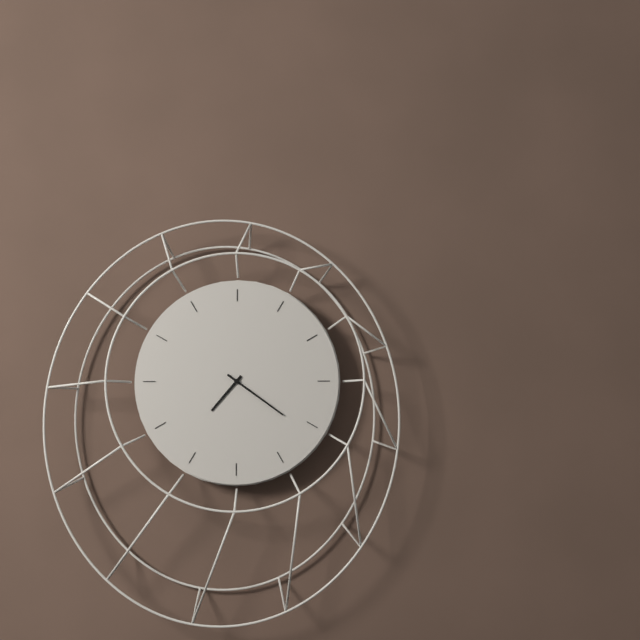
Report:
**7:21**
